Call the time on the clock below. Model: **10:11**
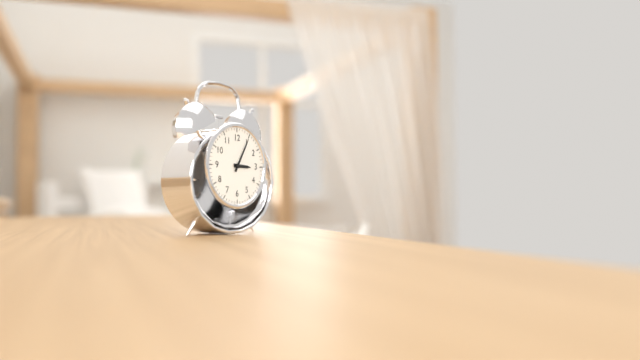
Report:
**3:05**
